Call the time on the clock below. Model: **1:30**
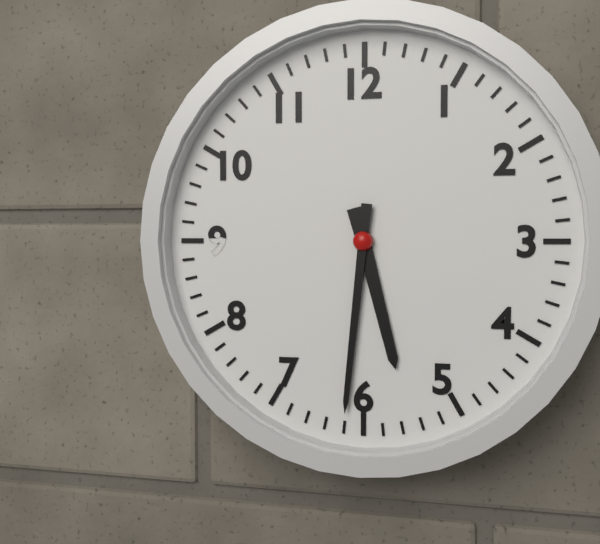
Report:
**5:31**
